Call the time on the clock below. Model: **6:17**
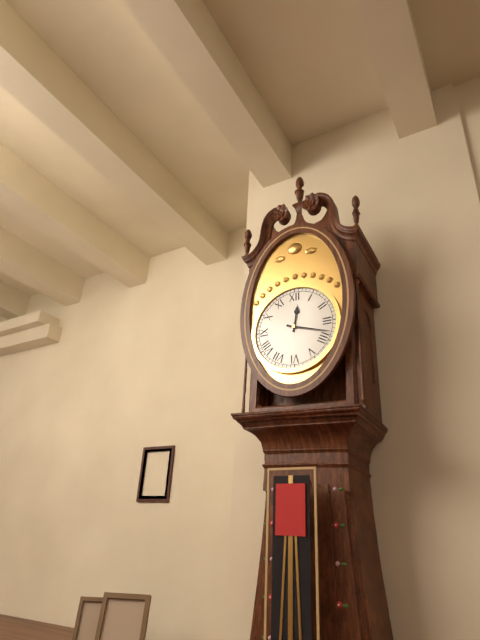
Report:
**12:18**
